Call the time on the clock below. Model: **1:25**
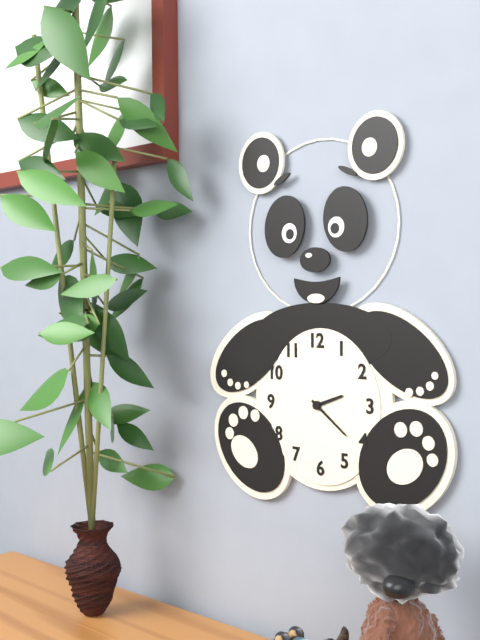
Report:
**2:21**
